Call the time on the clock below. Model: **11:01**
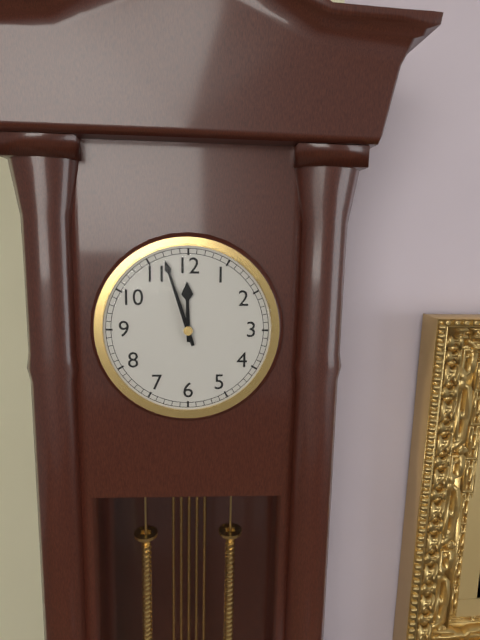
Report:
**11:57**
